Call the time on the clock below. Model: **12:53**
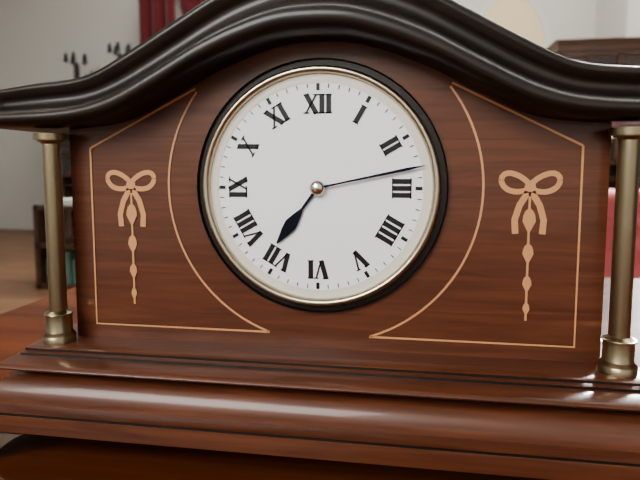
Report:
**7:13**
